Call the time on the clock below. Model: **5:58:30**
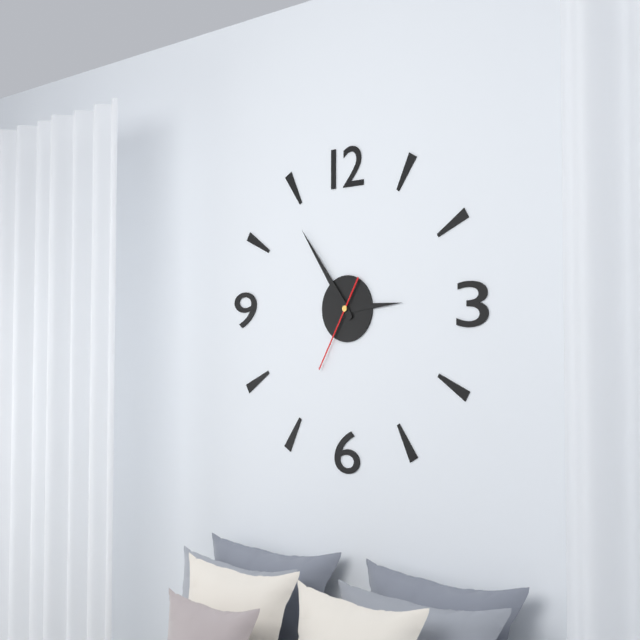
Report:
**2:54:35**
